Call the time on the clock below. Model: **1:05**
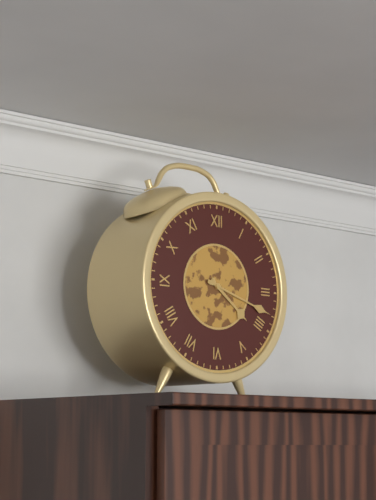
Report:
**4:18**
